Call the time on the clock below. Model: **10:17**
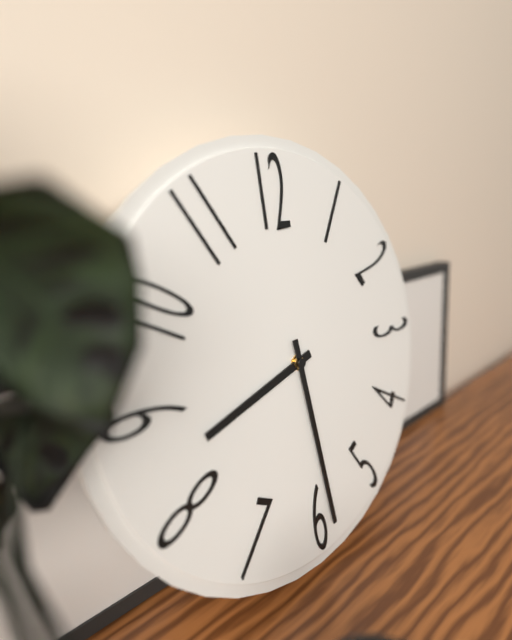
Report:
**8:29**
